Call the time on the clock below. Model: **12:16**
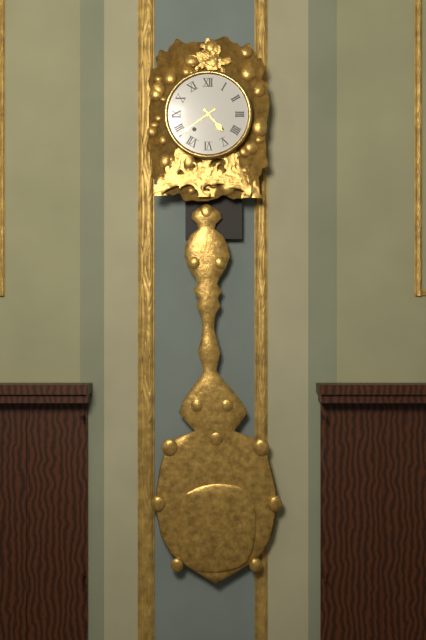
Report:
**4:39**
